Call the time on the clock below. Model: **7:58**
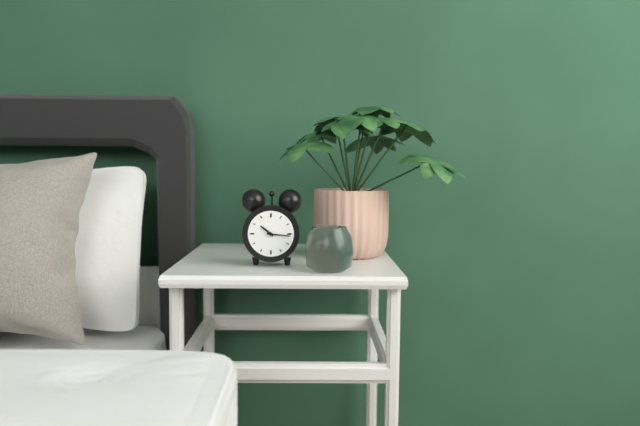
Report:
**10:16**
